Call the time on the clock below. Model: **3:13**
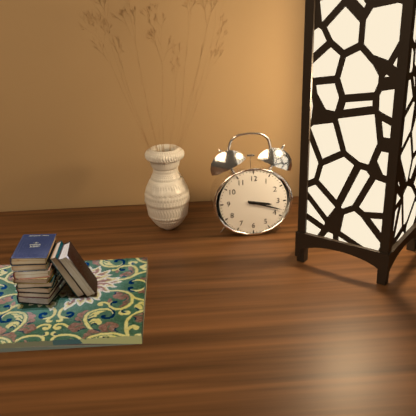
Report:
**3:18**
